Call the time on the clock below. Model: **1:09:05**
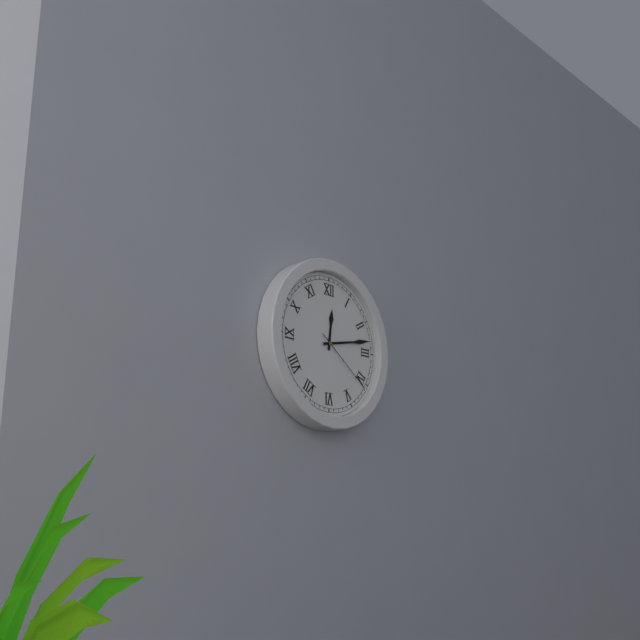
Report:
**12:13:21**
